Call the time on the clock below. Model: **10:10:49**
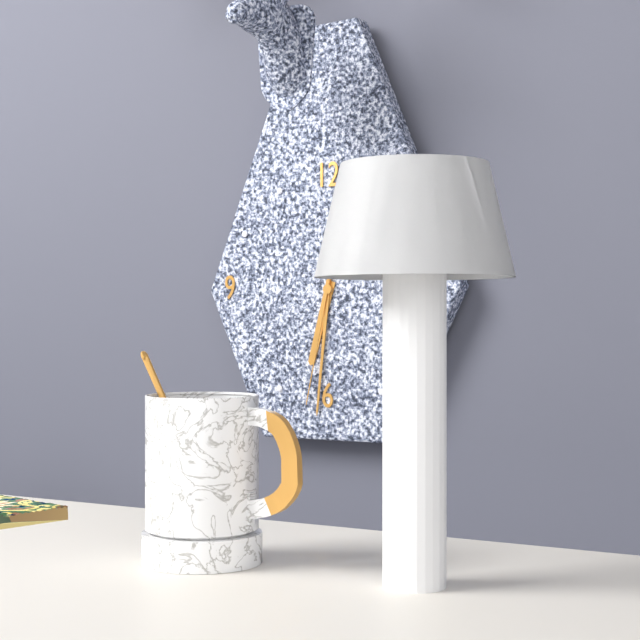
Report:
**6:31:32**
